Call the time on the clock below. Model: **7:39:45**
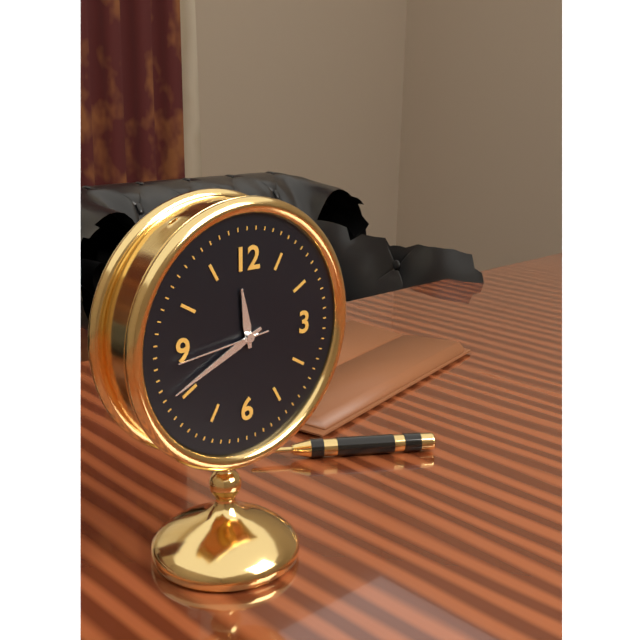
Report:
**11:41:44**
